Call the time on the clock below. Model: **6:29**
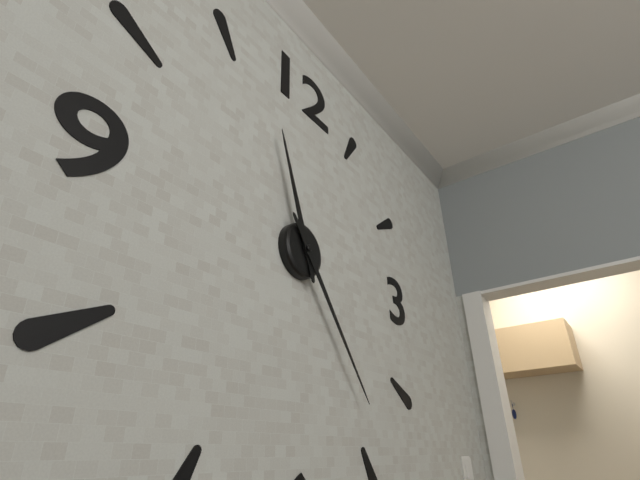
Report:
**11:24**
